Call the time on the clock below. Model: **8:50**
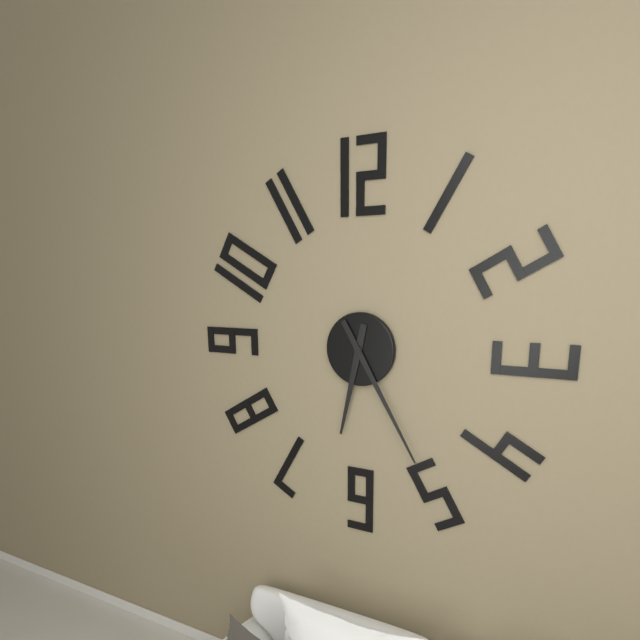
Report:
**6:25**
